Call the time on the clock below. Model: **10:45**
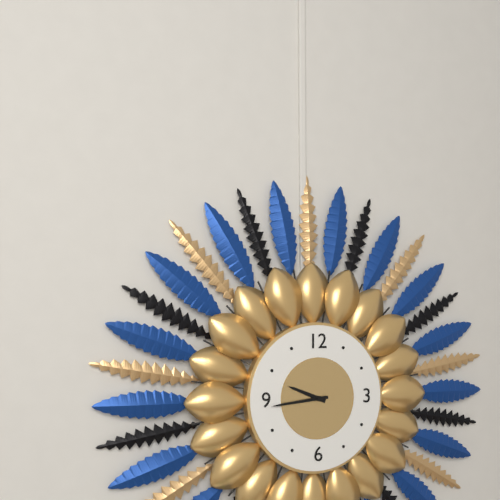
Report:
**9:44**
